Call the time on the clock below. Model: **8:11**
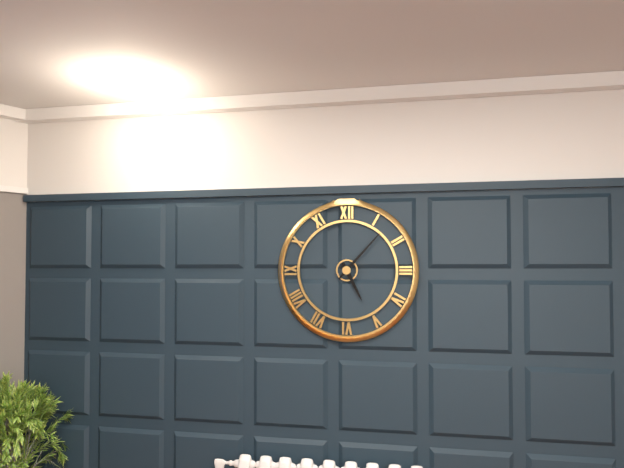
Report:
**5:07**
